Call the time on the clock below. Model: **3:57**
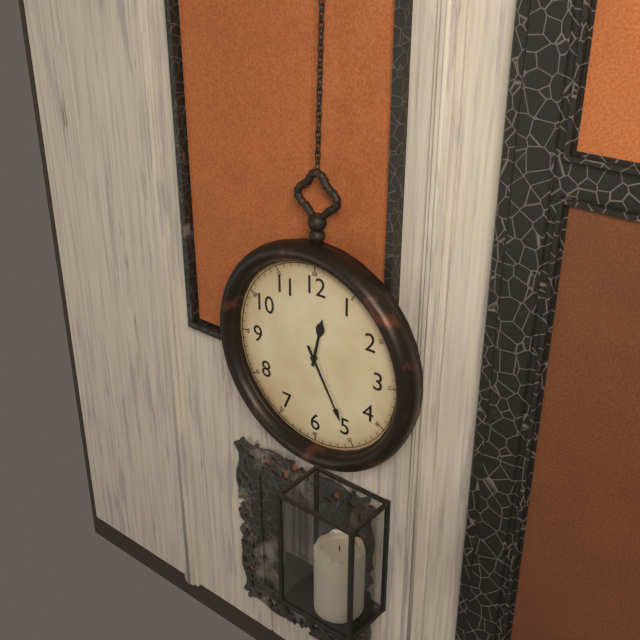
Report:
**12:25**
